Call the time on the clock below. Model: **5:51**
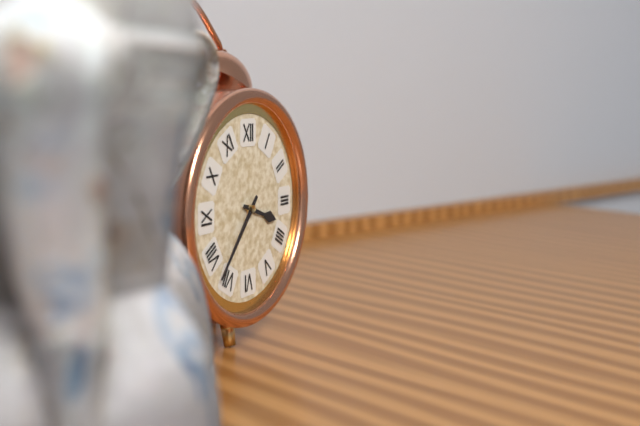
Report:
**3:37**
